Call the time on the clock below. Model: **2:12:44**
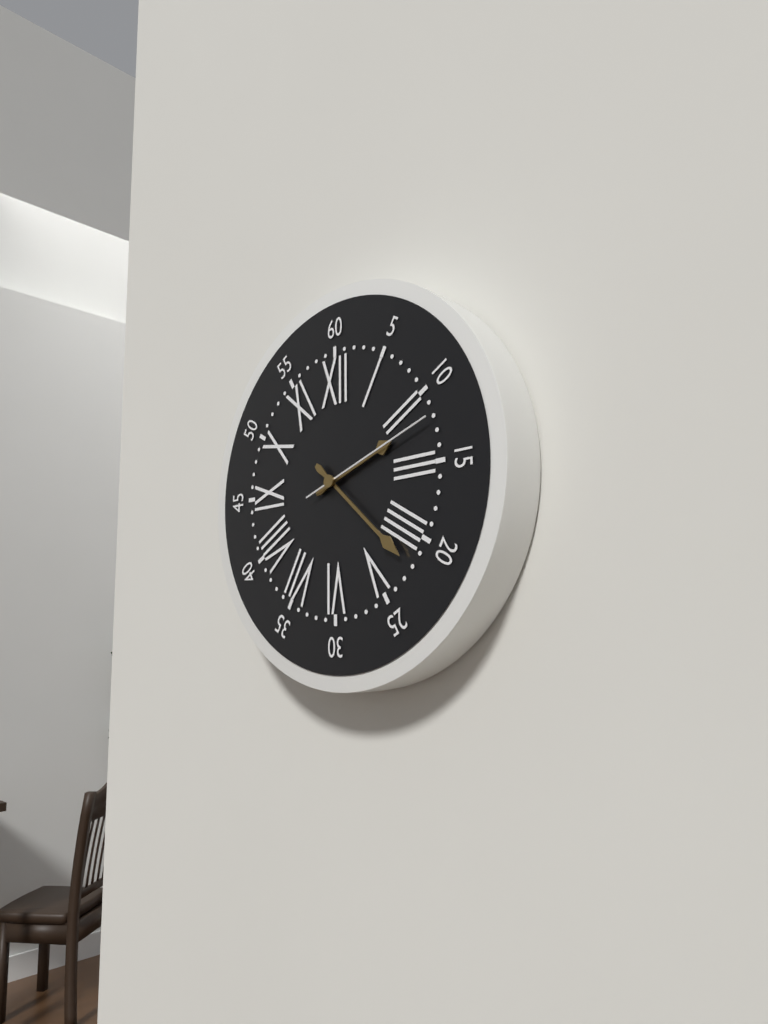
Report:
**2:22:12**
